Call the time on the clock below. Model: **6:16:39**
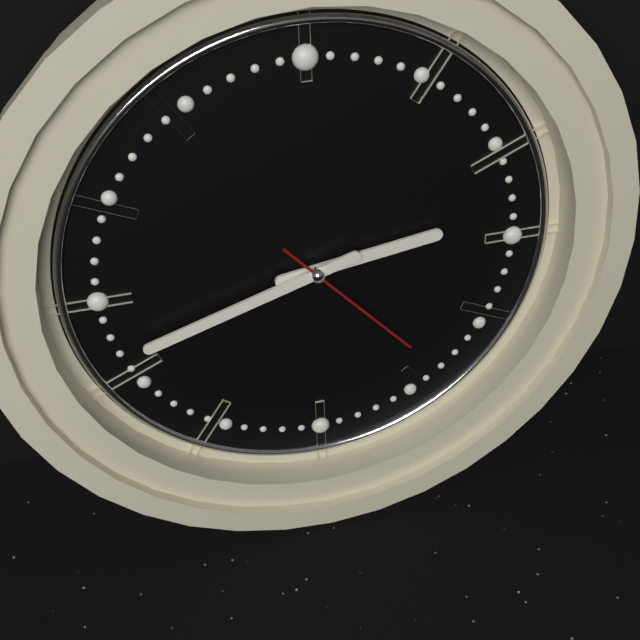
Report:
**2:42:23**
